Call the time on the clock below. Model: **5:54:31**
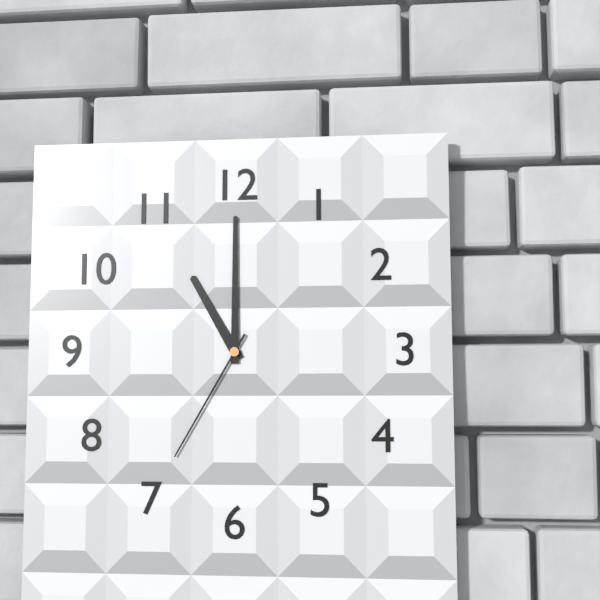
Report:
**11:00:35**
